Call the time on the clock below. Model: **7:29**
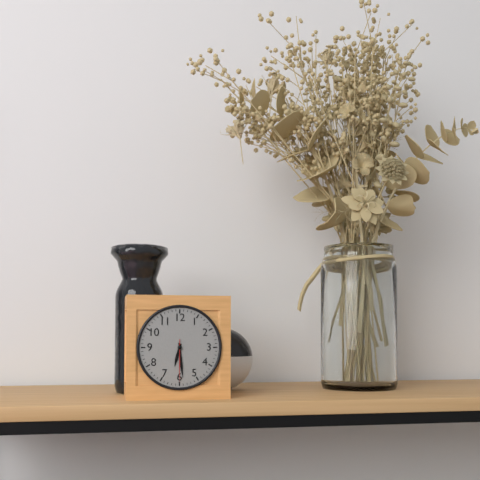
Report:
**6:29**
